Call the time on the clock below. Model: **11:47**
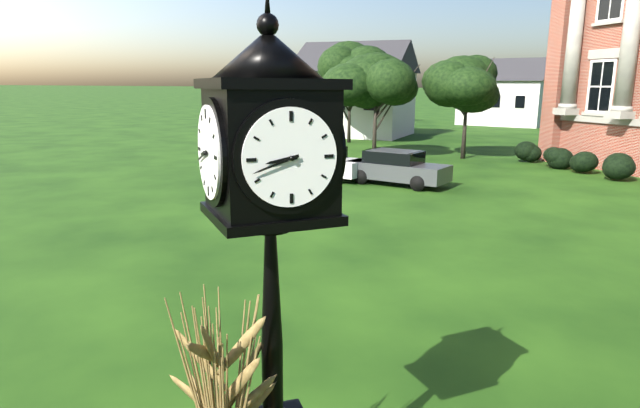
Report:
**8:42**
